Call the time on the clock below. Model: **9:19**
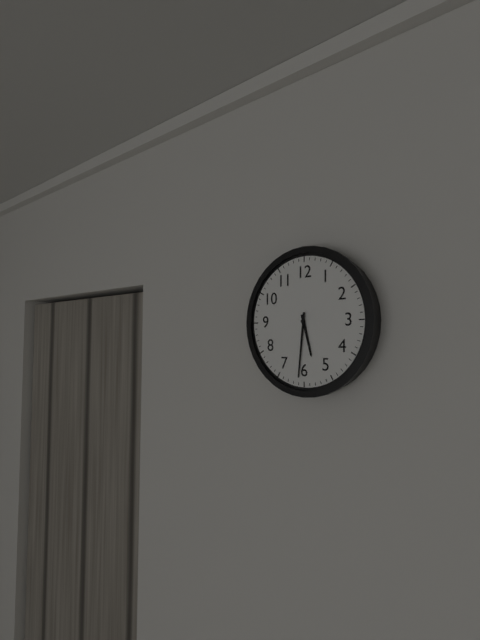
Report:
**5:31**
